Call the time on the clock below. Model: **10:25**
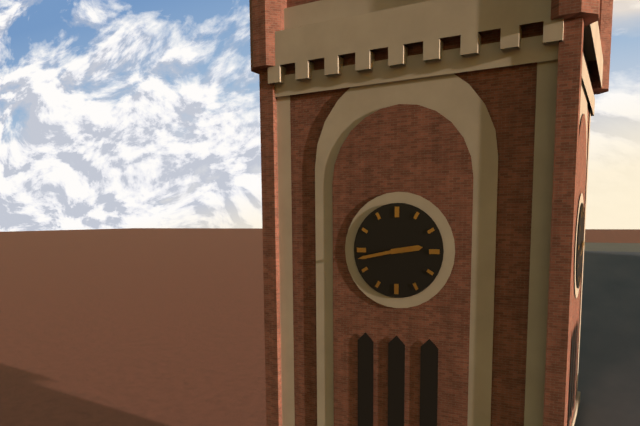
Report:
**2:43**
